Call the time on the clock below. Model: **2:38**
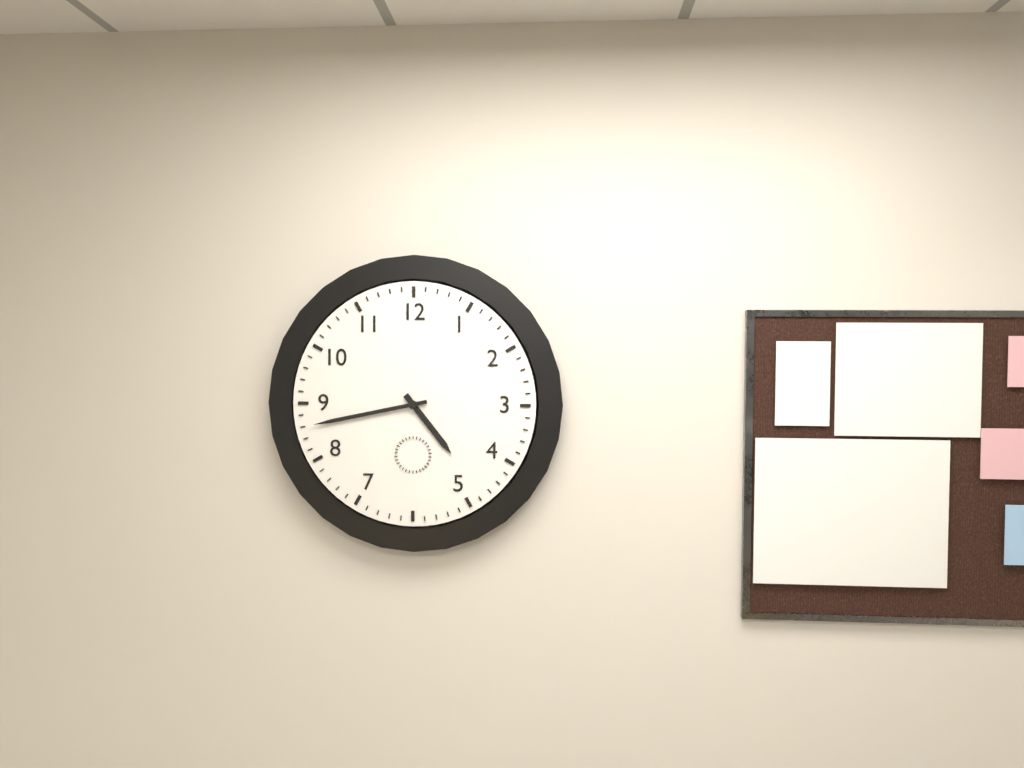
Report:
**4:43**
